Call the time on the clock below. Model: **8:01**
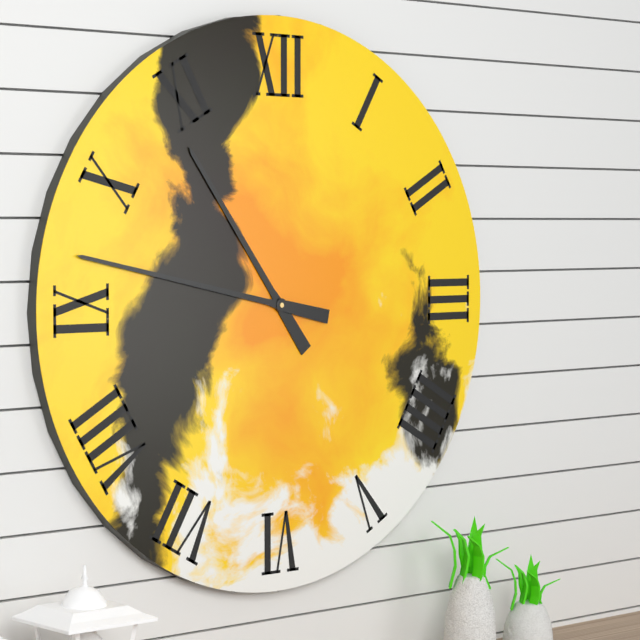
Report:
**10:47**
